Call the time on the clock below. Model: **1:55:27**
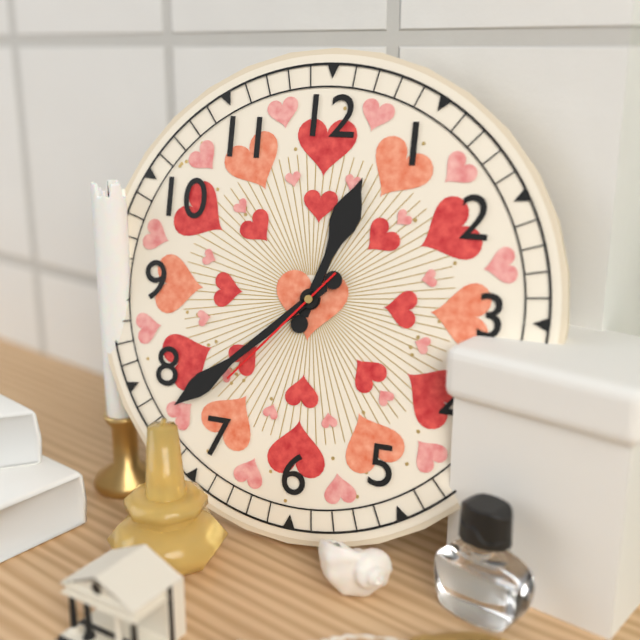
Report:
**12:38:37**
